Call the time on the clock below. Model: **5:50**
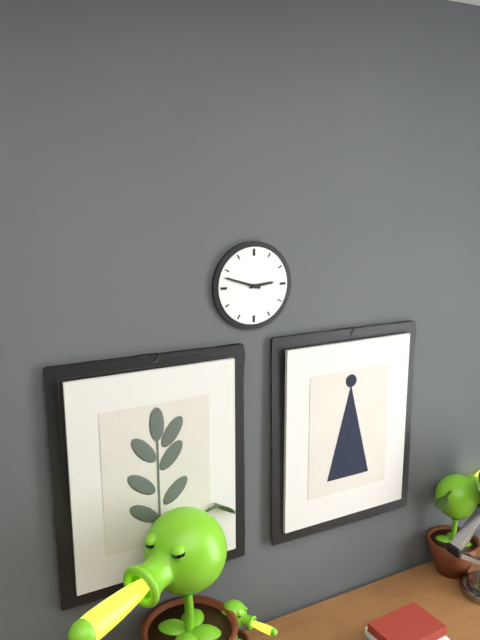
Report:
**2:48**
